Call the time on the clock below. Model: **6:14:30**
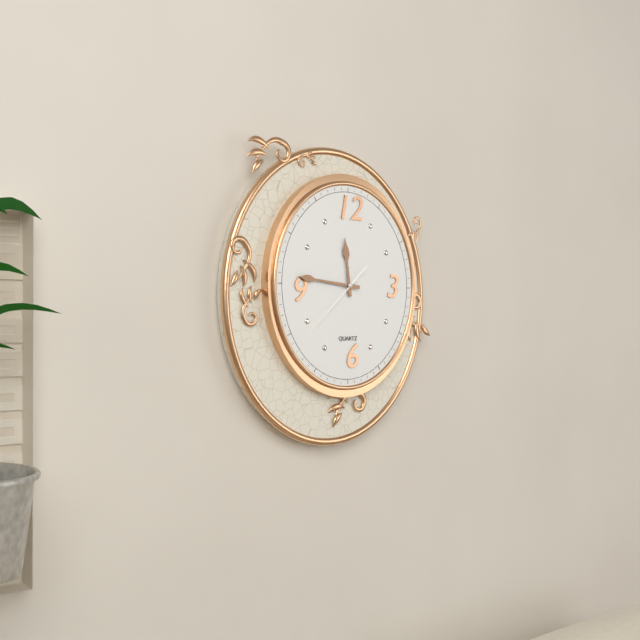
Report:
**11:46:38**
